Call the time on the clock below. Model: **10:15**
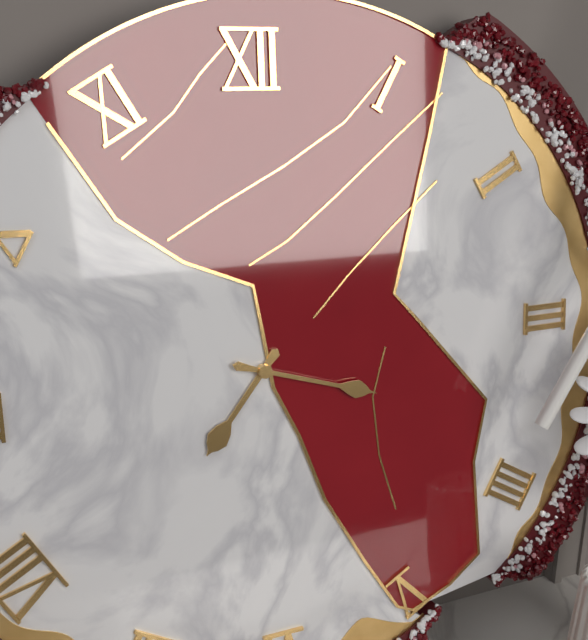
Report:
**7:18**
